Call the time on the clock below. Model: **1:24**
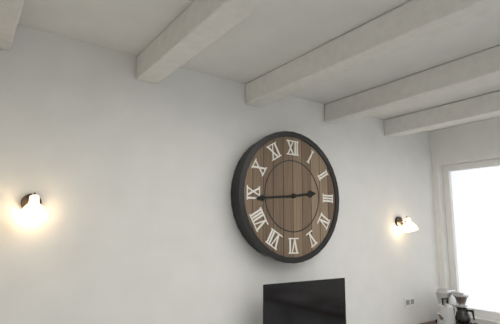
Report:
**2:44**
